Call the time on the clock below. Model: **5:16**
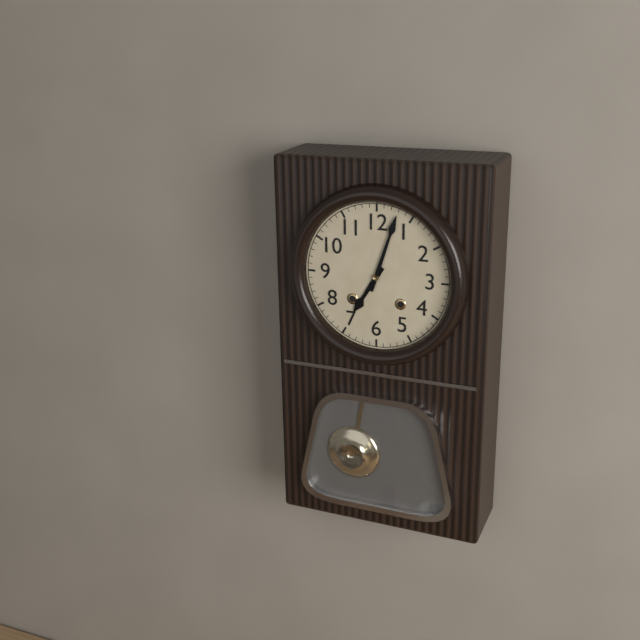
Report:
**7:03**
